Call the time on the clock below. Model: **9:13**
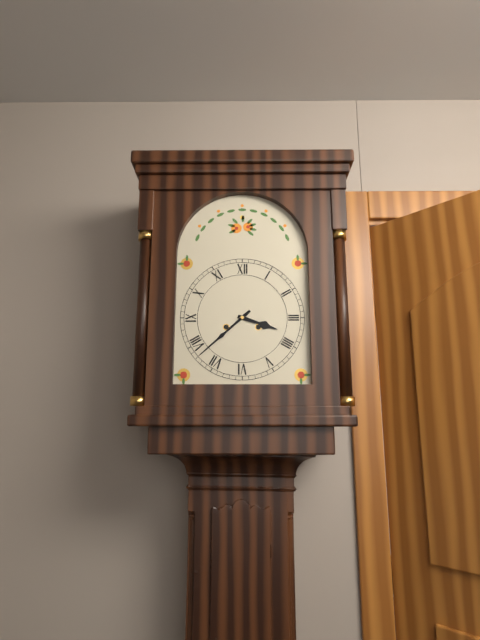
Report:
**3:38**
